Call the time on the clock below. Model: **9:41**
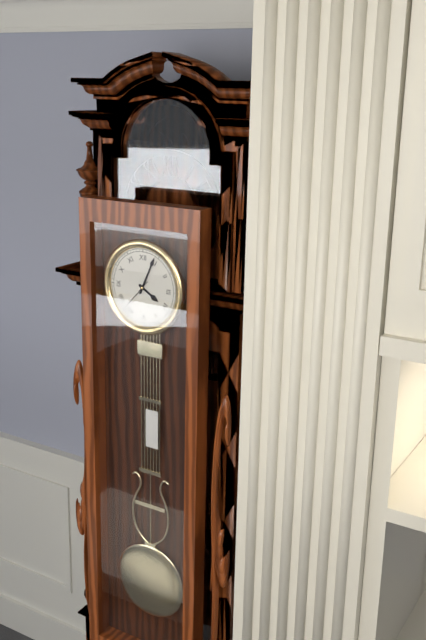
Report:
**4:04**
